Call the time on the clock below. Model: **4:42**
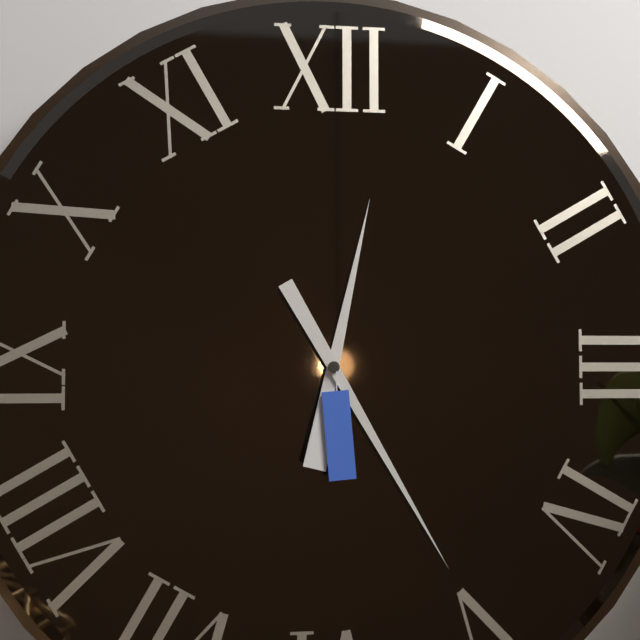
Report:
**12:25**
